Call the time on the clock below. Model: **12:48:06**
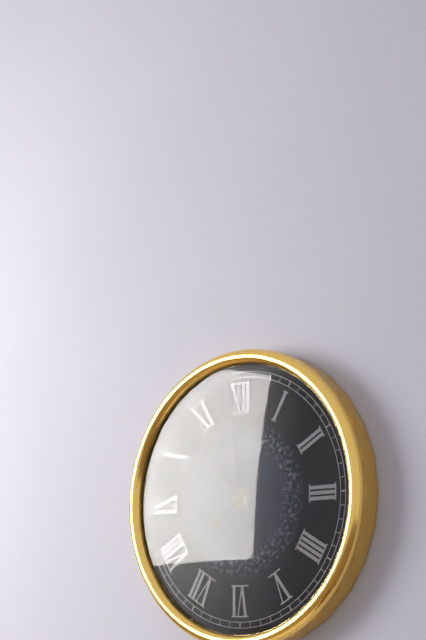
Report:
**7:53:59**
